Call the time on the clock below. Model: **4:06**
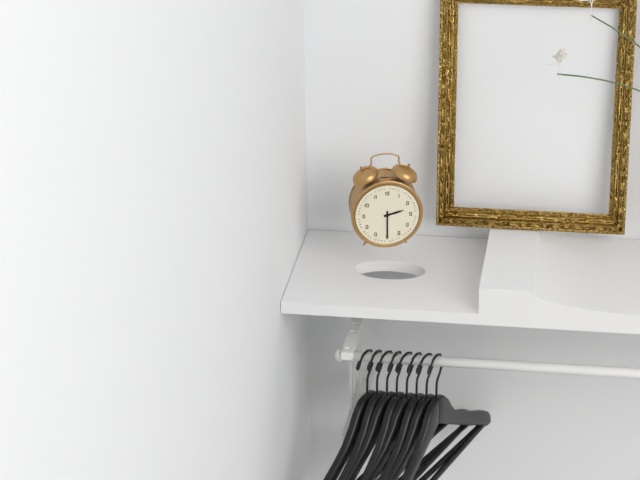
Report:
**2:30**
